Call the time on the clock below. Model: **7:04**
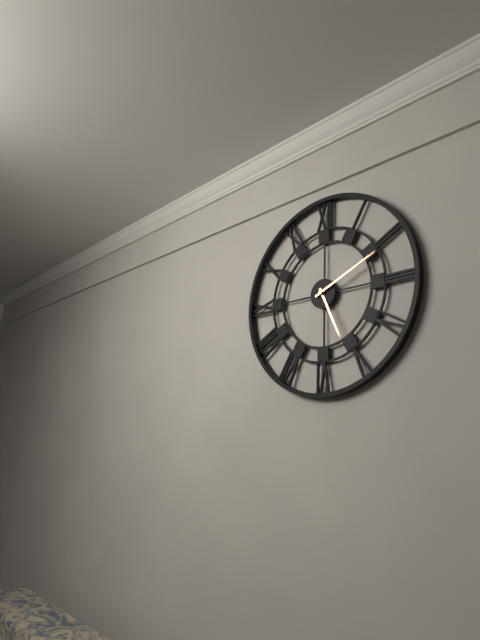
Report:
**5:11**
